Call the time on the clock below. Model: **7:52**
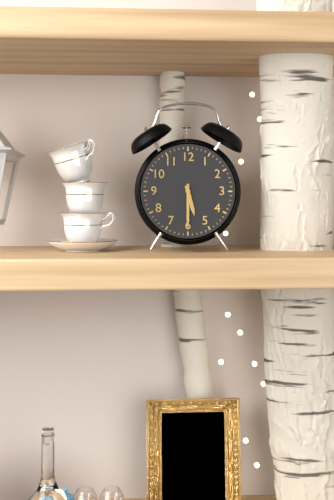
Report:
**5:30**
